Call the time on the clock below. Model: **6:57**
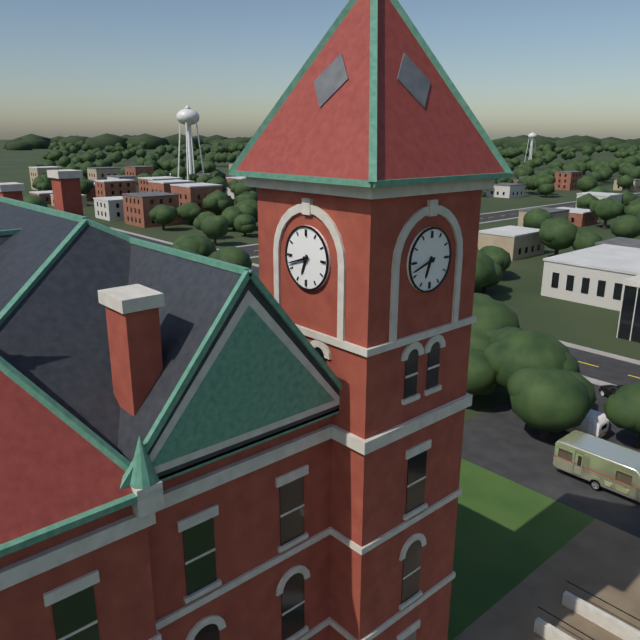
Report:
**6:42**
